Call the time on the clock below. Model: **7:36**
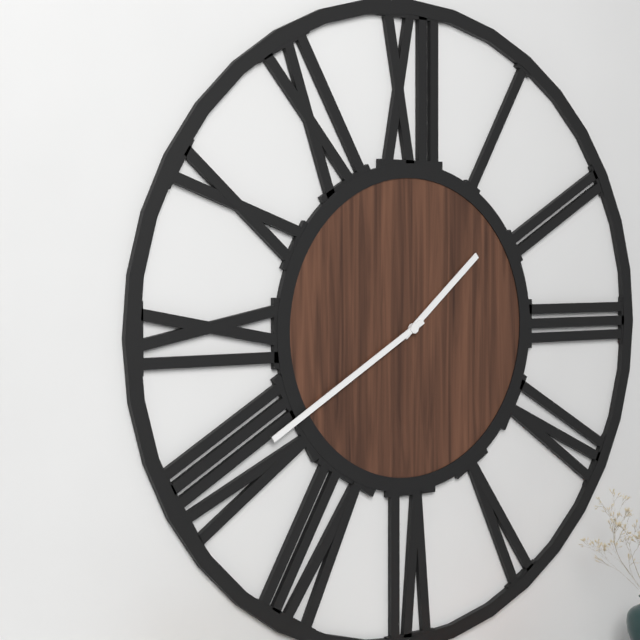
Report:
**1:40**
